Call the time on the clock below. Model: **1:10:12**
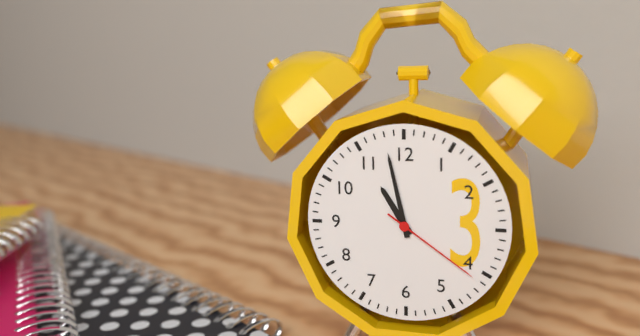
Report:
**10:58:21**
